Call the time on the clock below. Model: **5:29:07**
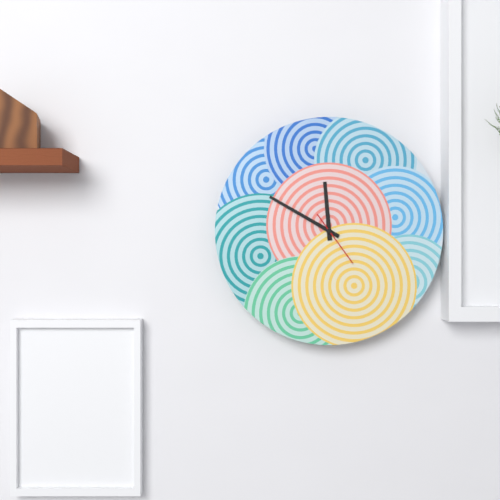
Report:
**11:50:24**
